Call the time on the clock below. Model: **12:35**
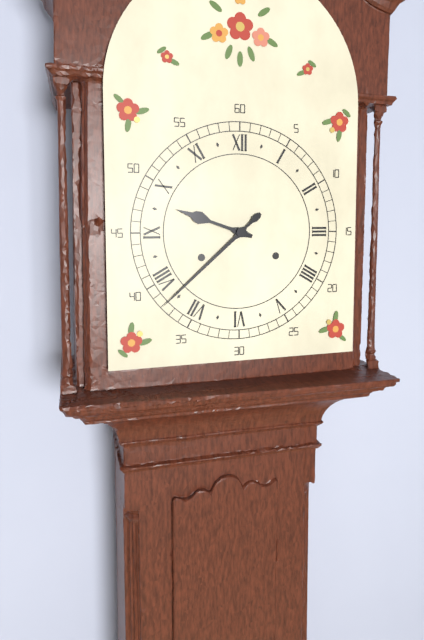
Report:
**9:38**
